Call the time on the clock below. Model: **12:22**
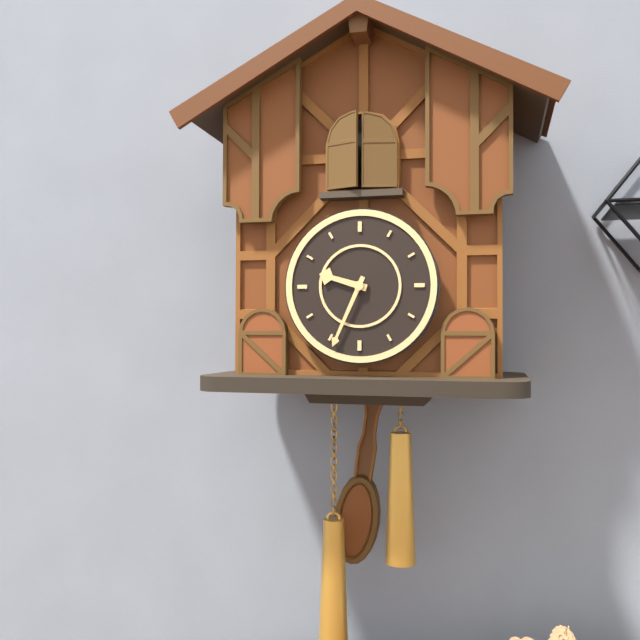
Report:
**9:34**
